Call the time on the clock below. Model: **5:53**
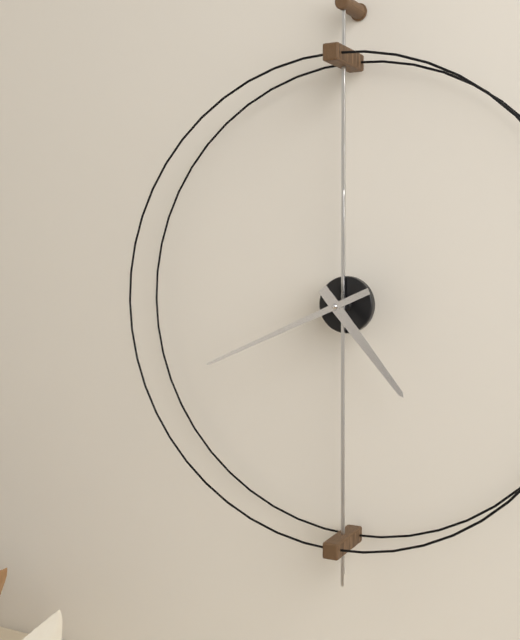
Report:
**4:41**
